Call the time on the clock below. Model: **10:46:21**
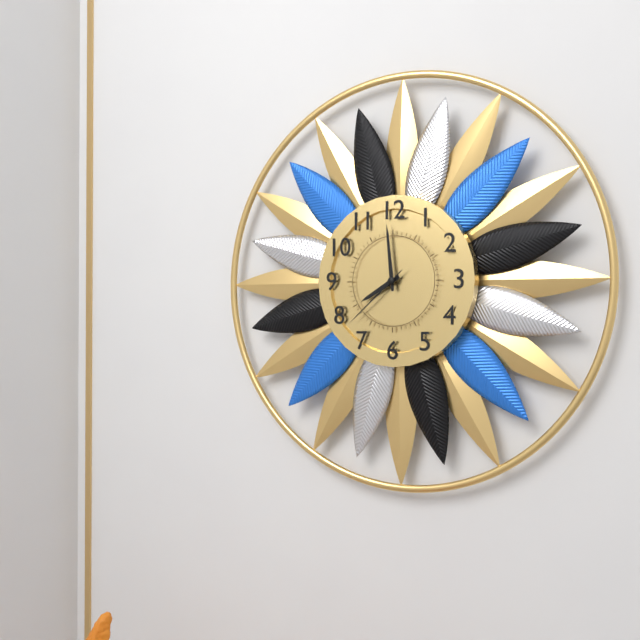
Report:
**7:59:38**
